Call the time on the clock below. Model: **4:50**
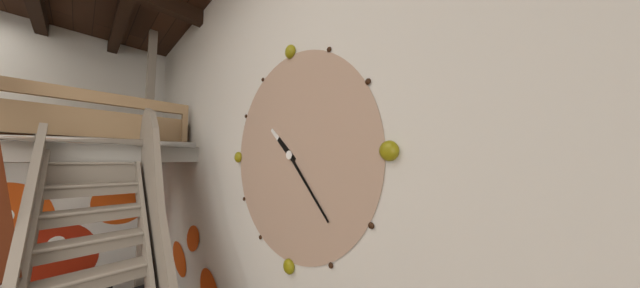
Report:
**10:23**
